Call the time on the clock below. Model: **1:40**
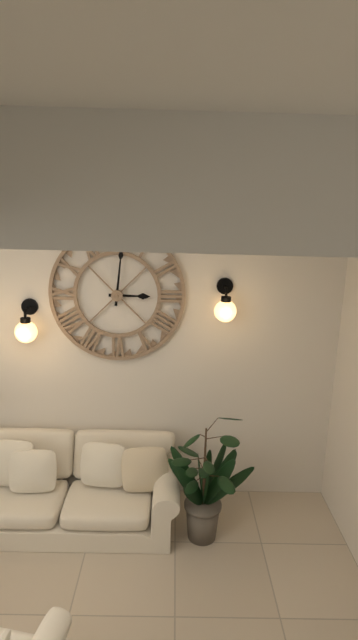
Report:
**3:01**
